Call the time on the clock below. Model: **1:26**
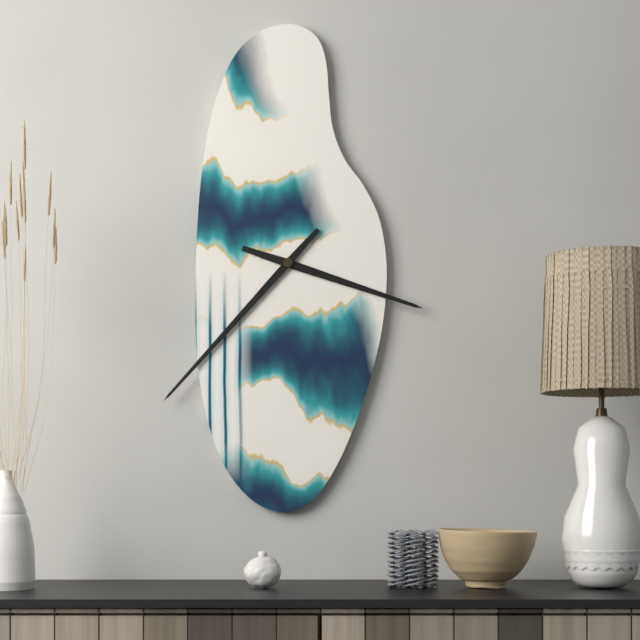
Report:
**3:37**
